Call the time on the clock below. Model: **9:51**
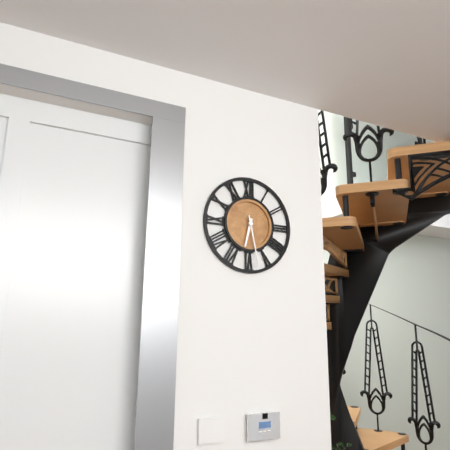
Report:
**6:28**
